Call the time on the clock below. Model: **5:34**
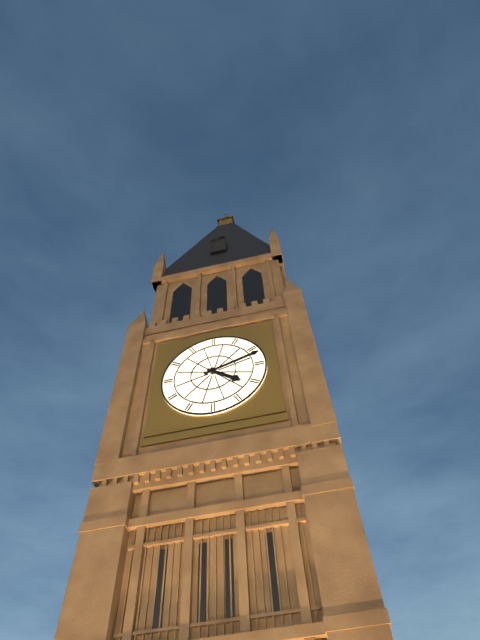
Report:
**4:12**
